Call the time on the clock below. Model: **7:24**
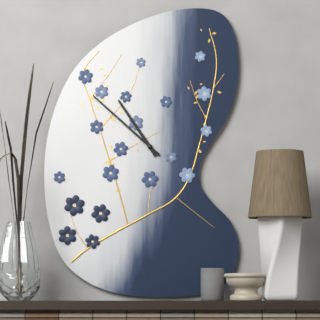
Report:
**10:52**
